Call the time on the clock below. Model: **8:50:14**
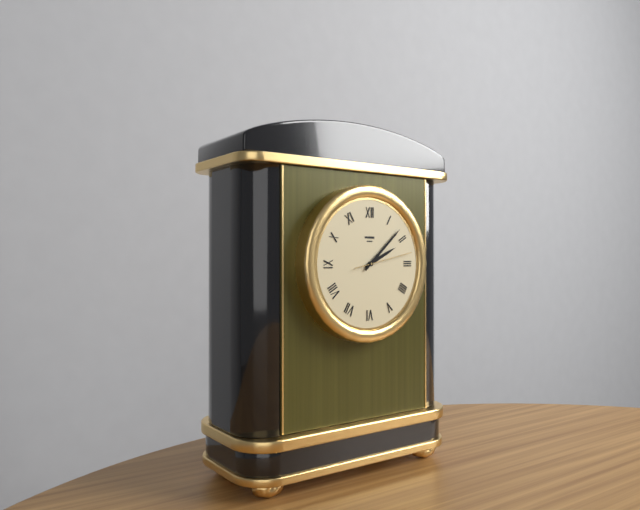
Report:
**2:08:13**
